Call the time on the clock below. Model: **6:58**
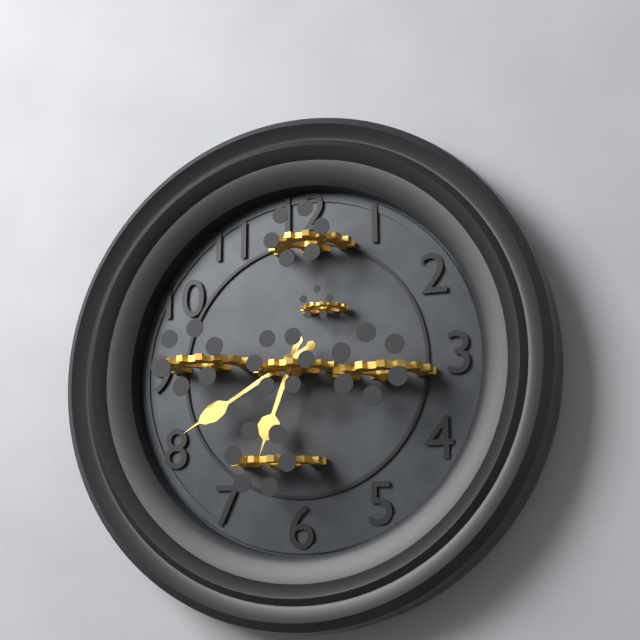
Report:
**6:40**
